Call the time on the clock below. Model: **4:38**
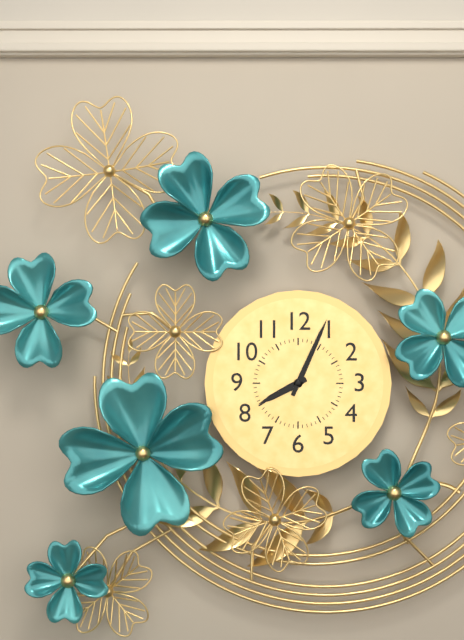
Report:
**8:04**
